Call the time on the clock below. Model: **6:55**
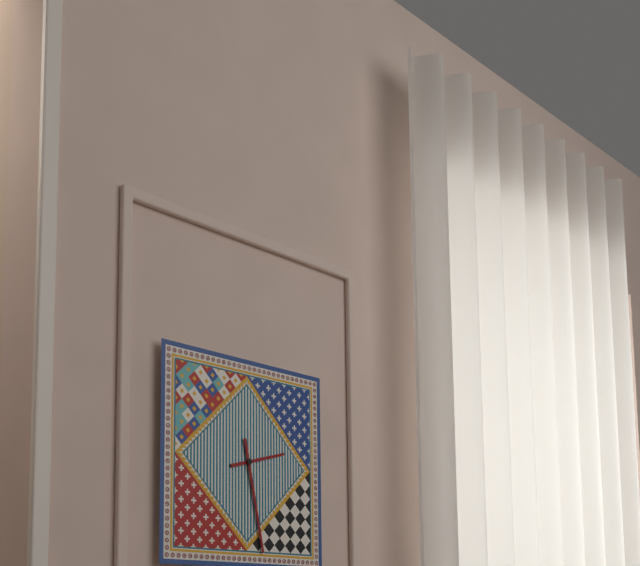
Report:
**2:28**
